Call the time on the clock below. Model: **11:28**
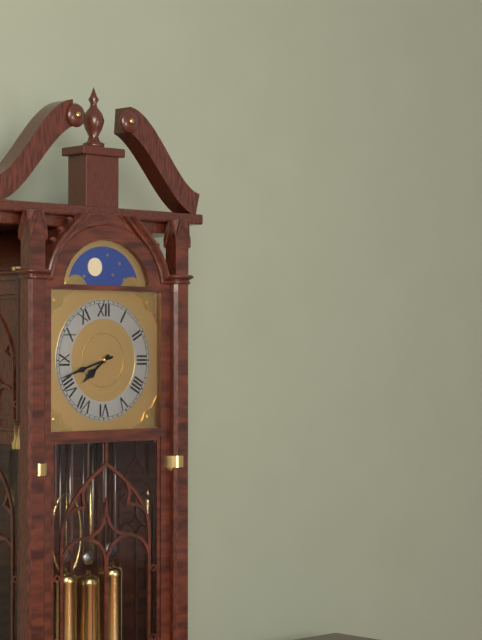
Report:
**7:42**
